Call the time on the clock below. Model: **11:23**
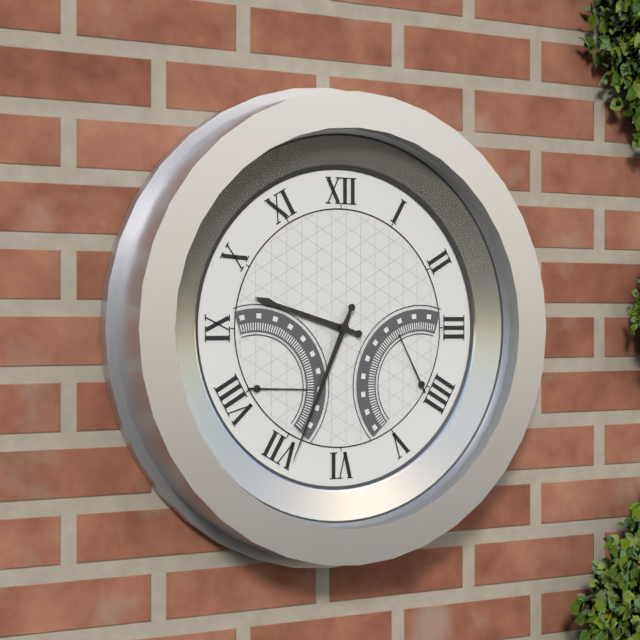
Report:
**9:34**
